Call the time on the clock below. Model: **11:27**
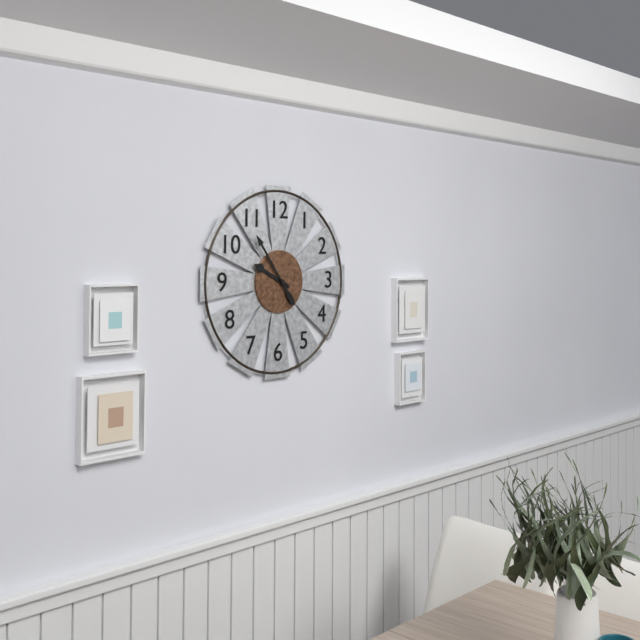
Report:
**9:54**
